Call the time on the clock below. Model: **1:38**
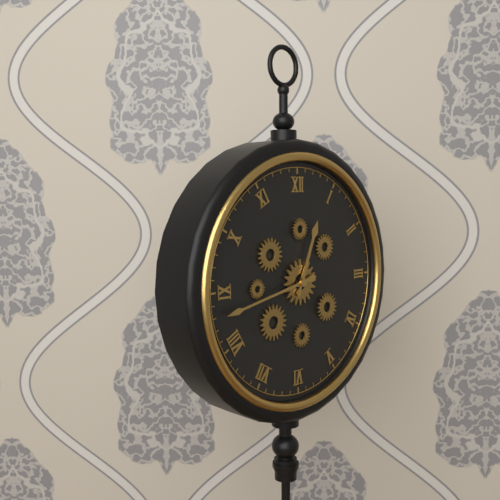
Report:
**12:43**
